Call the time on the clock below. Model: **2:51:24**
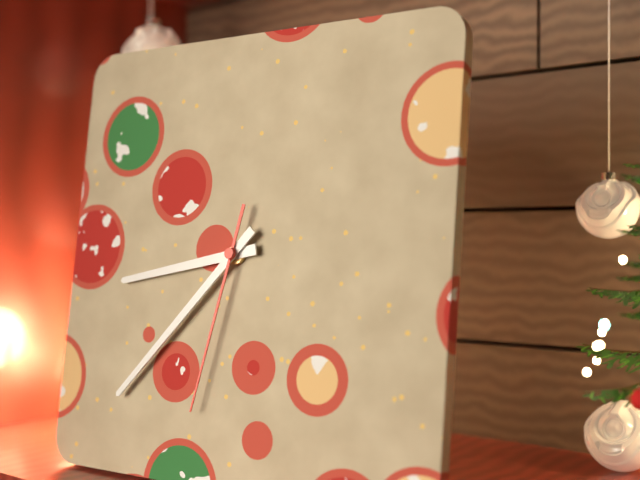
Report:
**8:37:32**
